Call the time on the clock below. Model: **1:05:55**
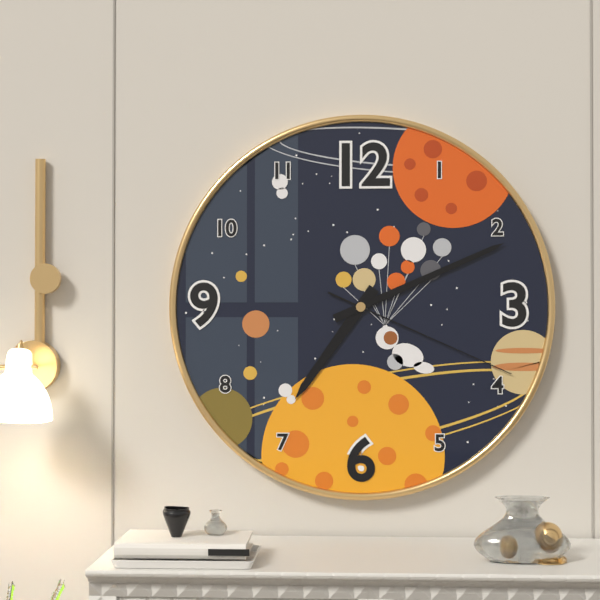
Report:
**7:11:19**
